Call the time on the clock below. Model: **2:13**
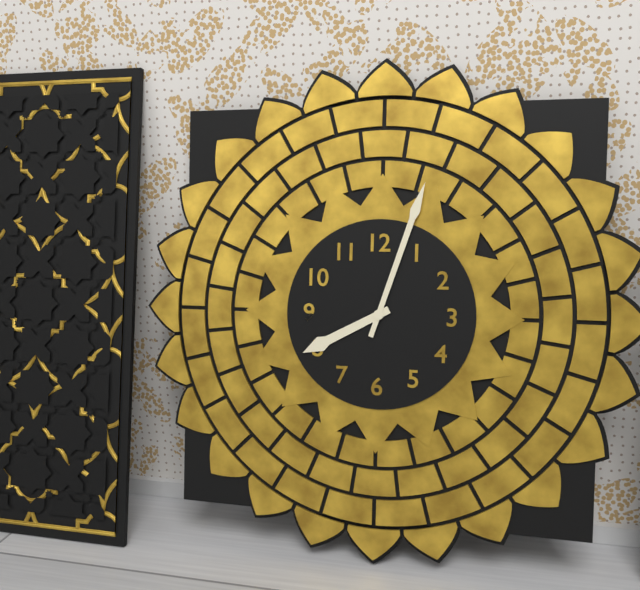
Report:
**8:03**
